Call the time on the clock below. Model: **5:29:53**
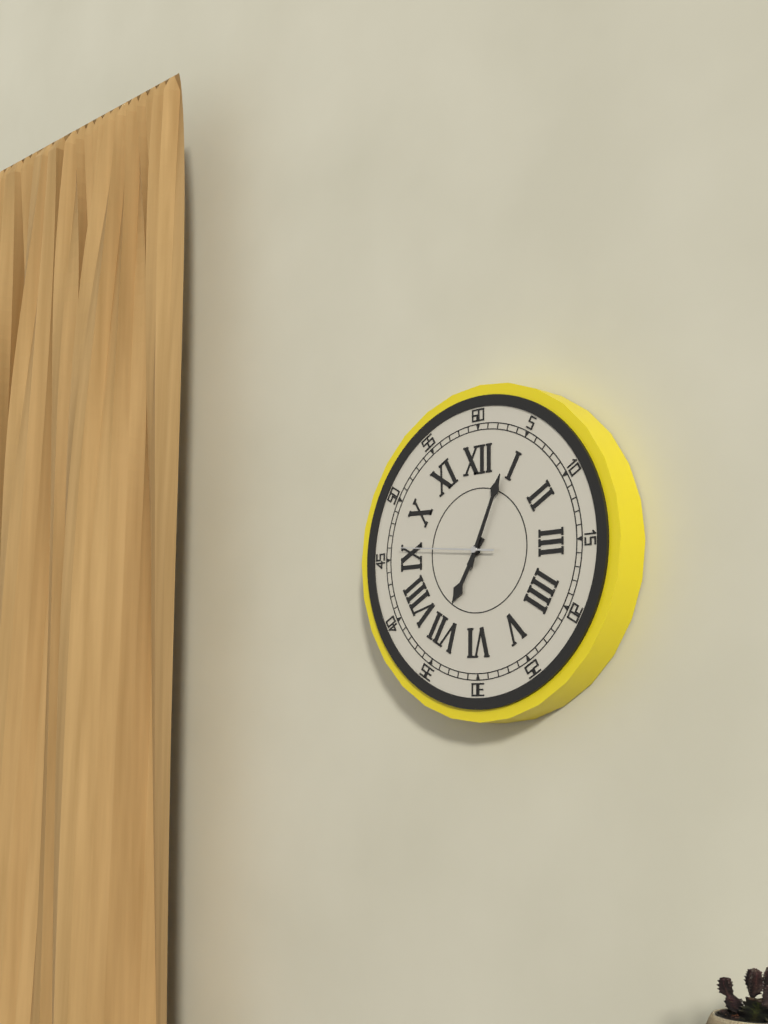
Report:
**7:04:46**
